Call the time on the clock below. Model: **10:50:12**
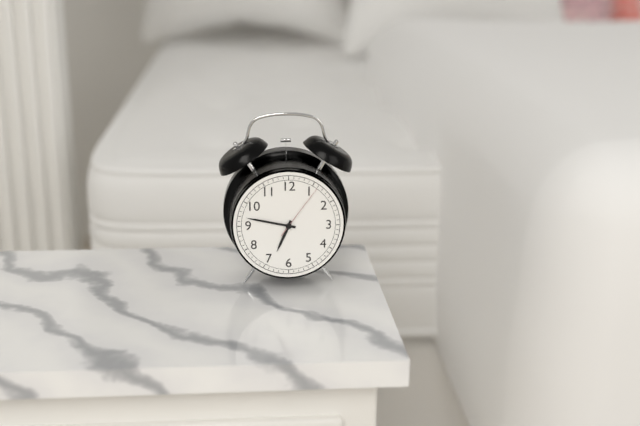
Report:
**6:47:06**
